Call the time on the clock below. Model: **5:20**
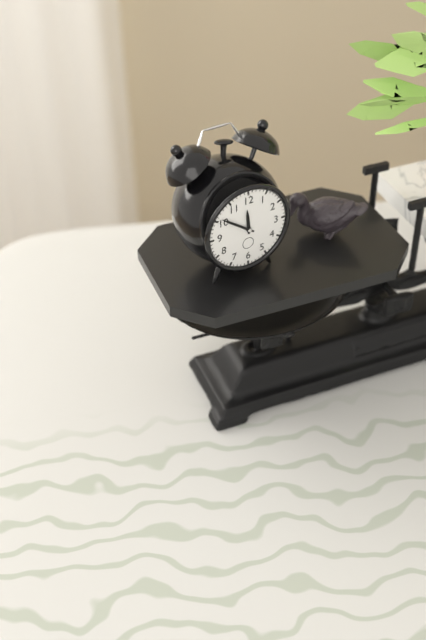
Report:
**11:51**
